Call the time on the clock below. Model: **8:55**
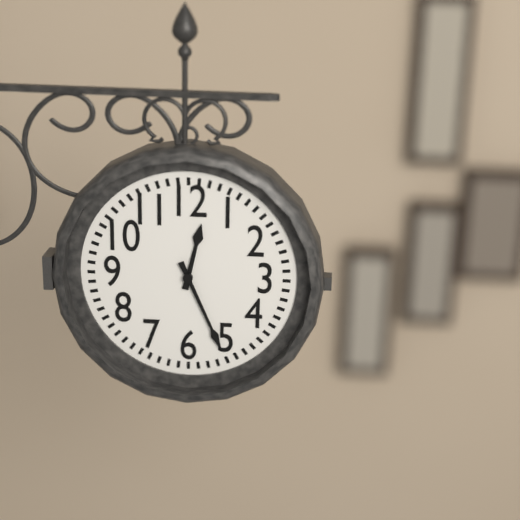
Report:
**12:26**
